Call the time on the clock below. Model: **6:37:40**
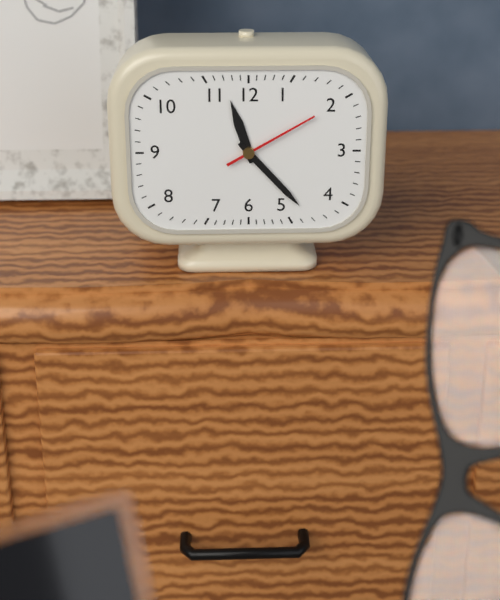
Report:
**11:23:10**
